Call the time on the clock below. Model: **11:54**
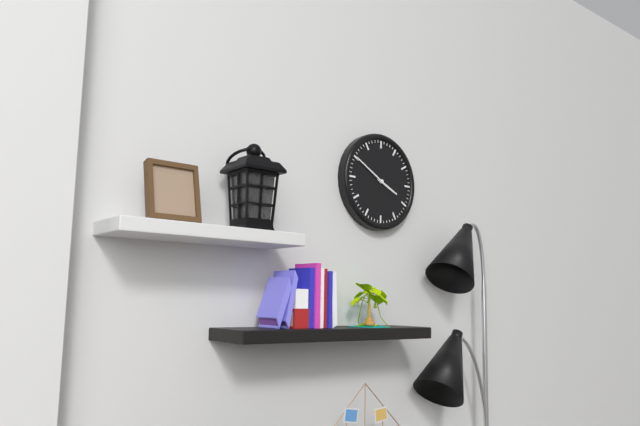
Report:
**3:50**
